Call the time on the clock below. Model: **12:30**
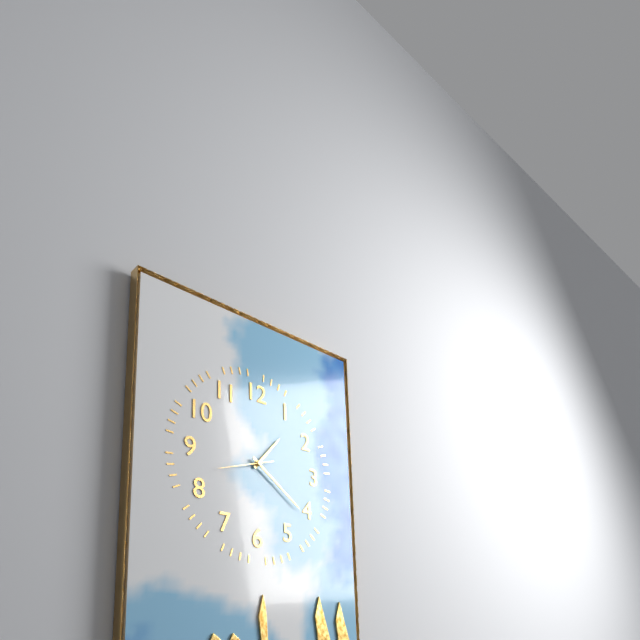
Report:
**1:21**
